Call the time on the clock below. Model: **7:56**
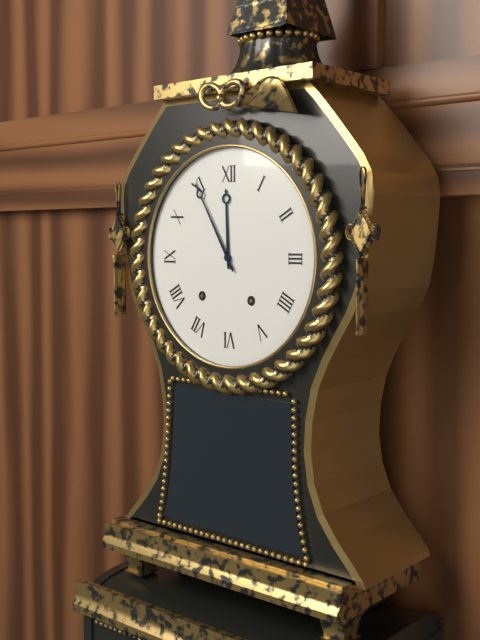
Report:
**11:55**
